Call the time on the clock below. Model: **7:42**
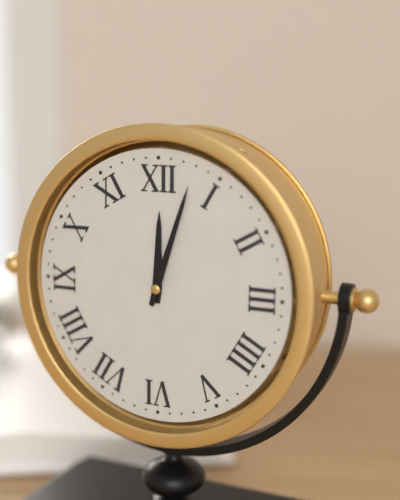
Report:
**12:03**
